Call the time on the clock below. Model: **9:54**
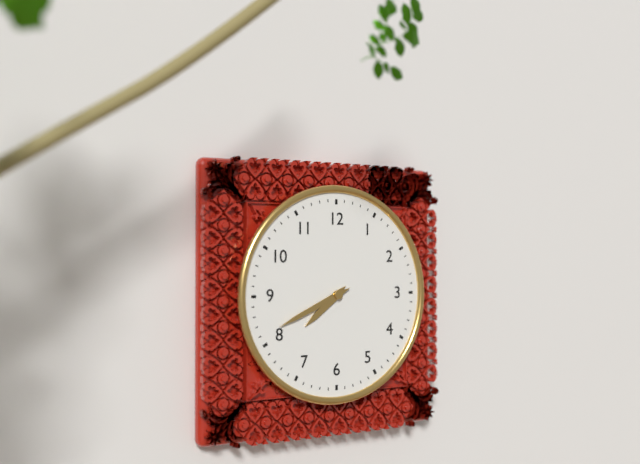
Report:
**7:41**
